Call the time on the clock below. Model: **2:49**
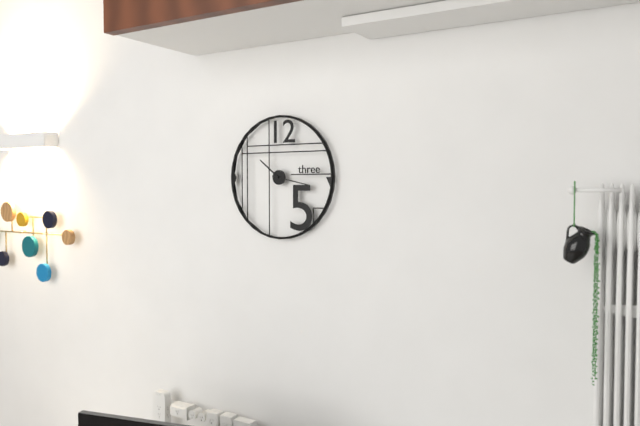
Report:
**10:17**
